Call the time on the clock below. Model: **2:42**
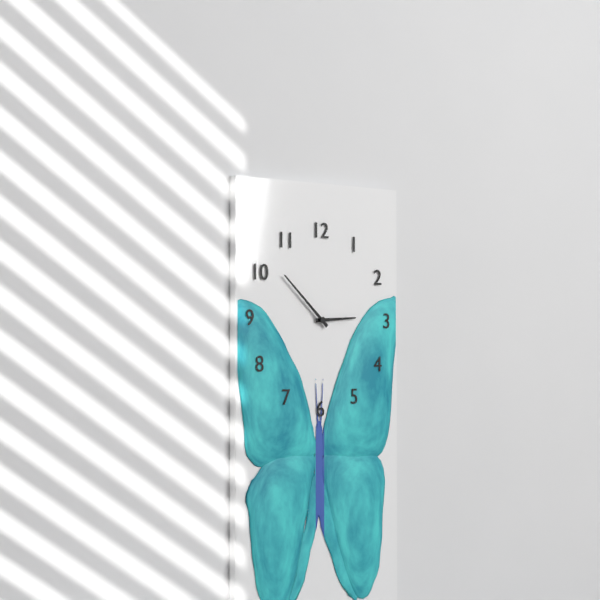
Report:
**2:52**
